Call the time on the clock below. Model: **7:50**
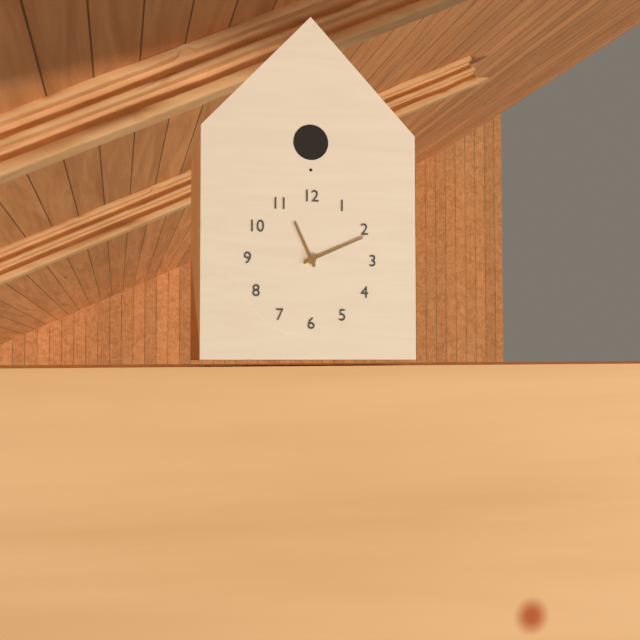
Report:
**11:11**
